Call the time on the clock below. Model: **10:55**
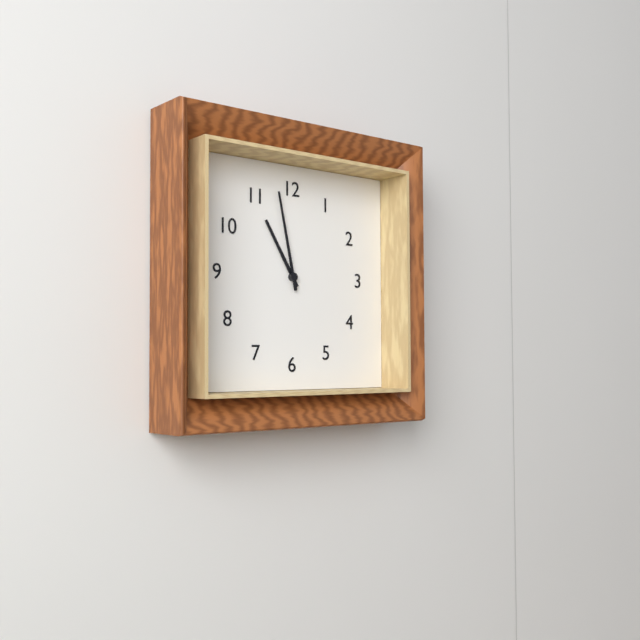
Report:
**10:58**
